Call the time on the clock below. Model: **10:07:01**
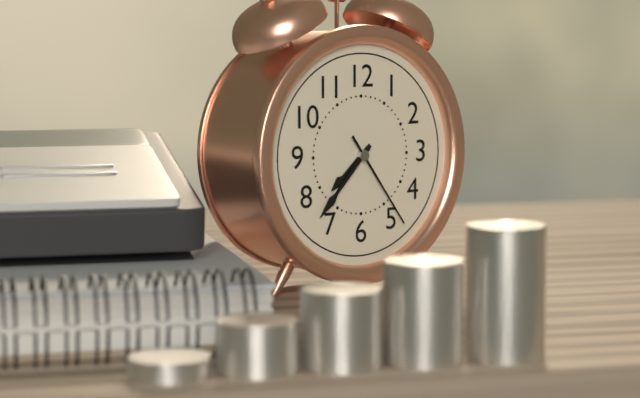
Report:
**7:37:24**
